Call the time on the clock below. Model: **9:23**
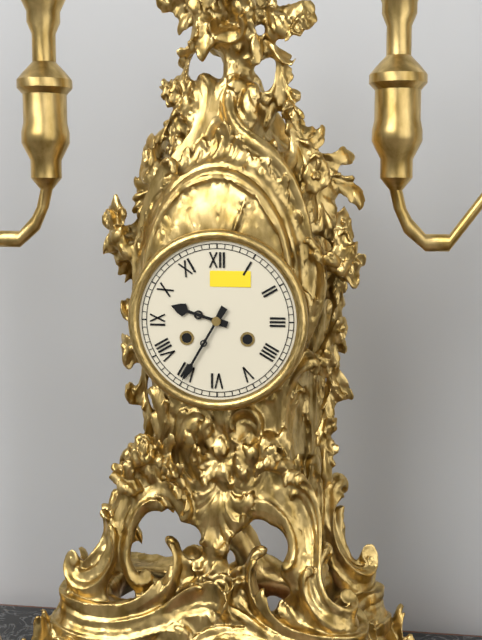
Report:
**9:35**
